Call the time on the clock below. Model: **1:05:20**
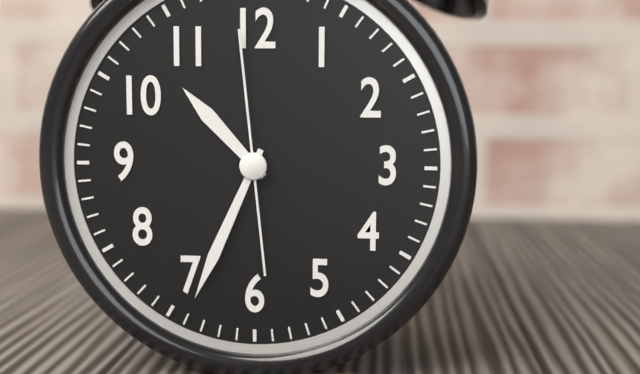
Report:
**10:34:59**
